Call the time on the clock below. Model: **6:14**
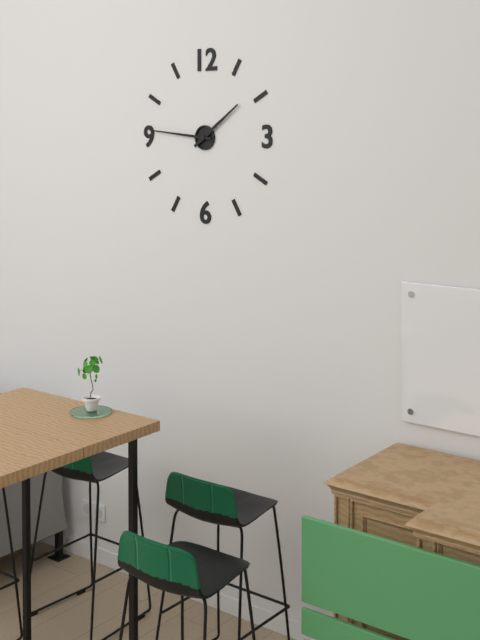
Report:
**1:46**
